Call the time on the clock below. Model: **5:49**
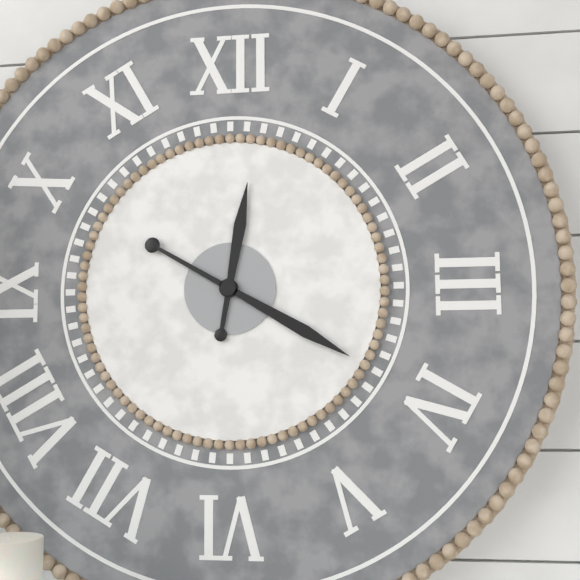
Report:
**12:20**
